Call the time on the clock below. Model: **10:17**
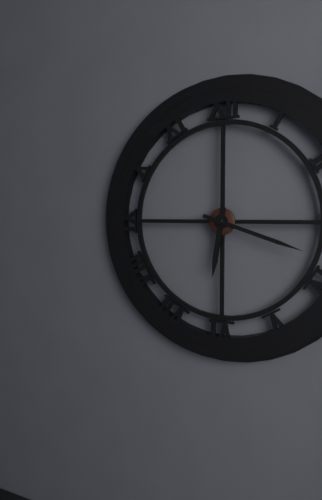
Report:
**6:18**
